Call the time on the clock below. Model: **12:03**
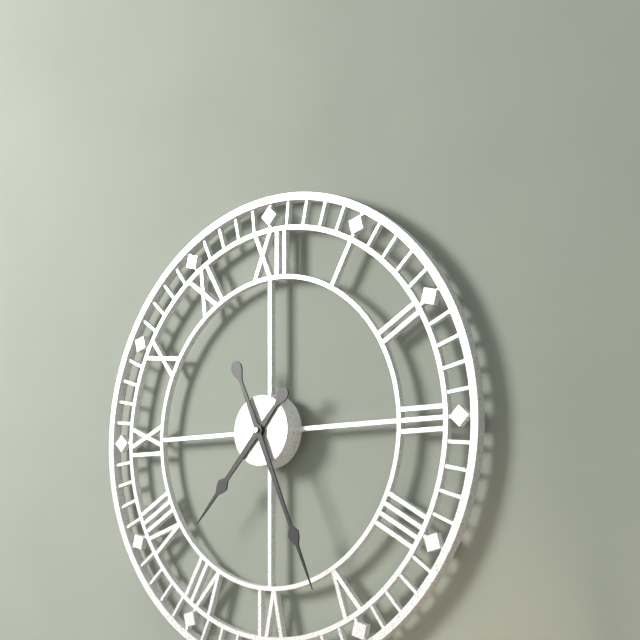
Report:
**7:26**
